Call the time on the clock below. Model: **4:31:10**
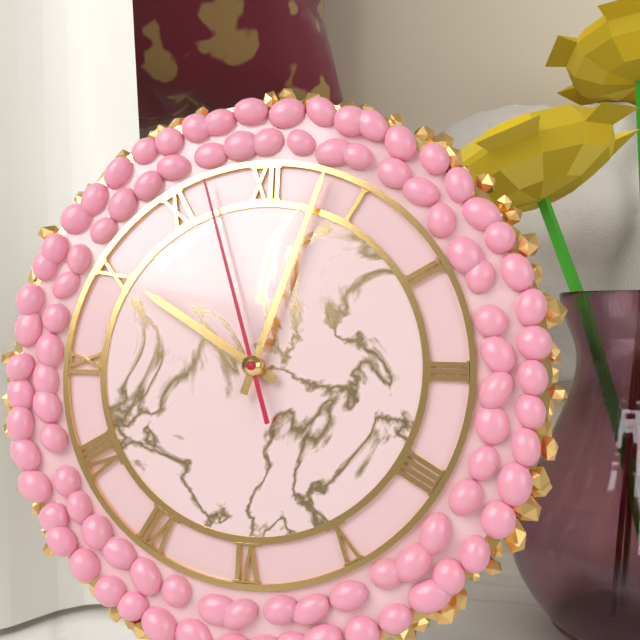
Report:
**10:03:57**
